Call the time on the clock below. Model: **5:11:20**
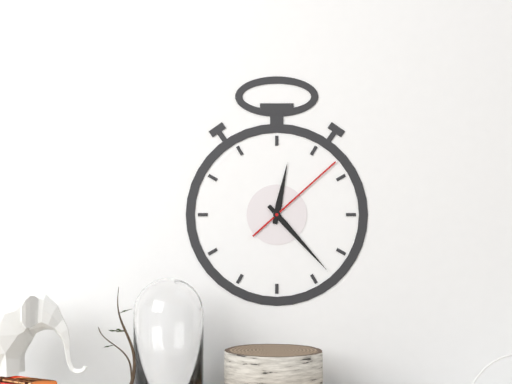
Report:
**12:23:08**
